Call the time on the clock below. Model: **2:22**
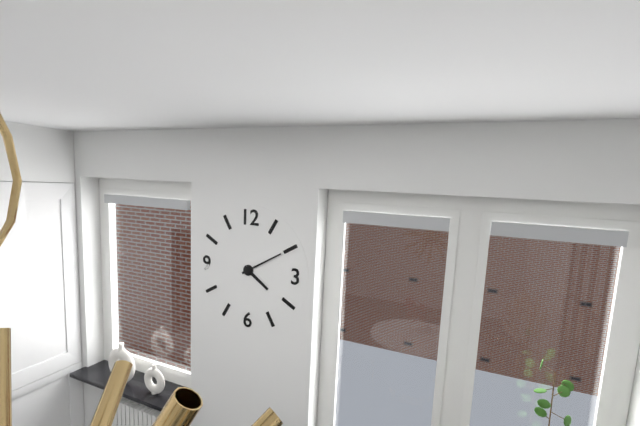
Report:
**4:10**
